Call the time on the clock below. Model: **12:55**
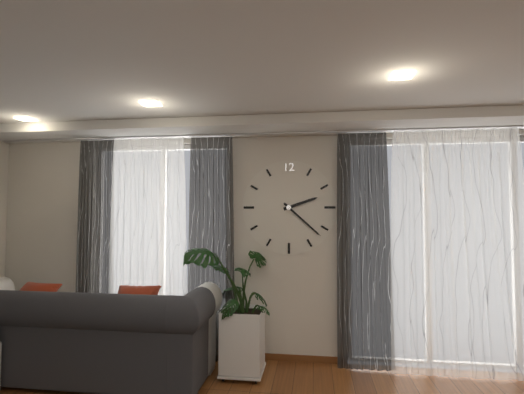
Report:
**2:22**
